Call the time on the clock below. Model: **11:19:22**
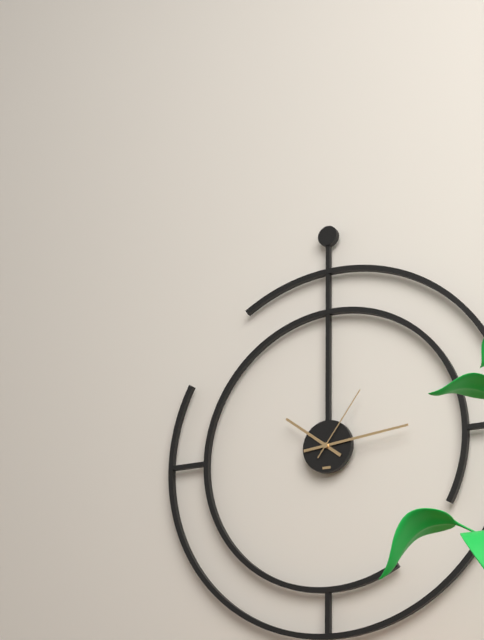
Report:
**10:14:06**
